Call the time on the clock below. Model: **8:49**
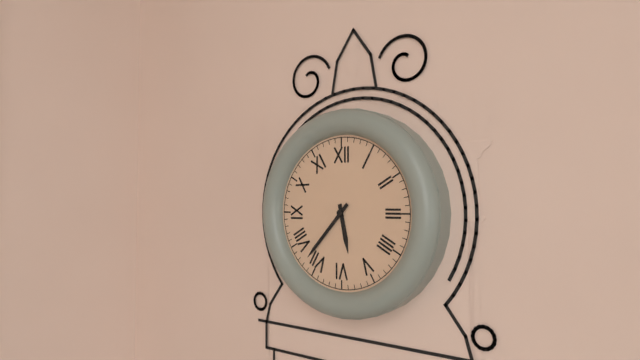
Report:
**5:37**
